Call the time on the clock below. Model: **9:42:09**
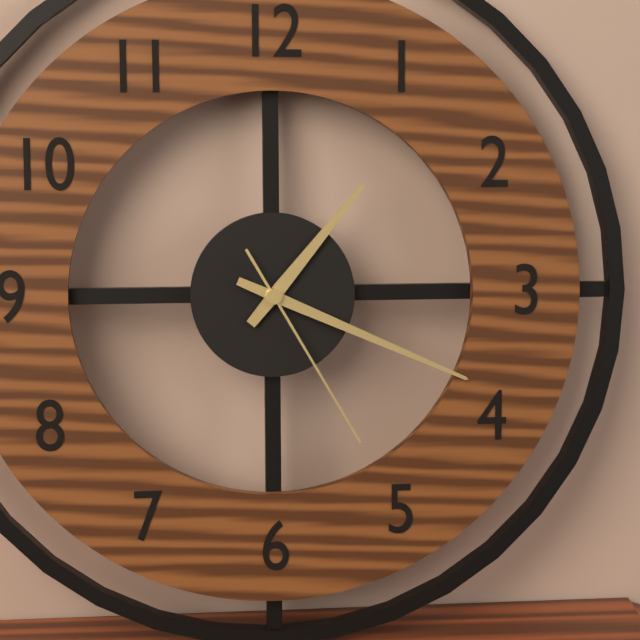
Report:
**1:19:25**
